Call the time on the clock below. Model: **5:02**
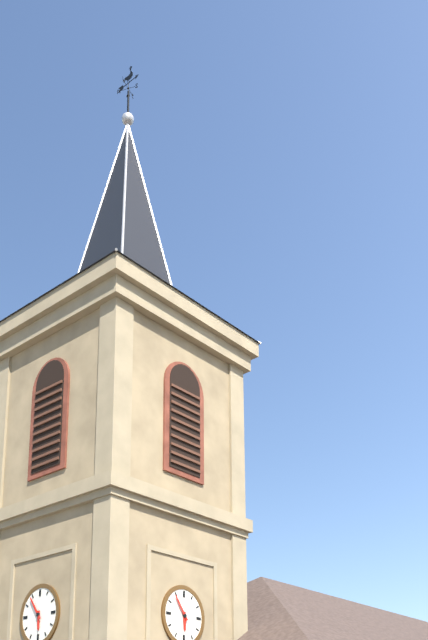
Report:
**5:54**
